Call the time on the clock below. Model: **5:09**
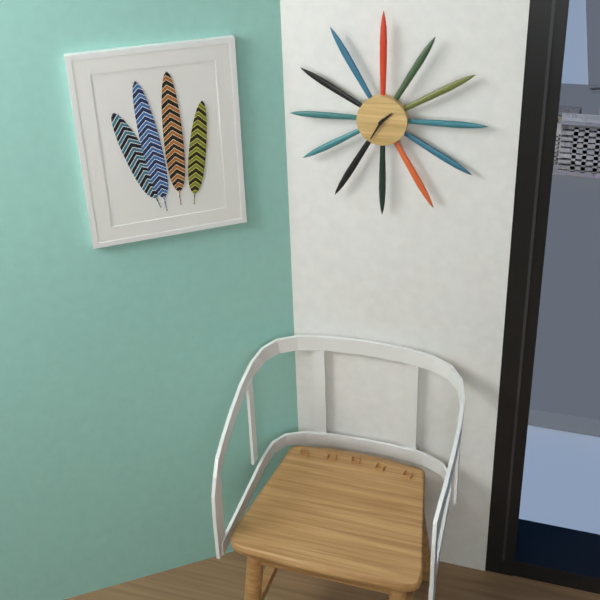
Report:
**1:35**
